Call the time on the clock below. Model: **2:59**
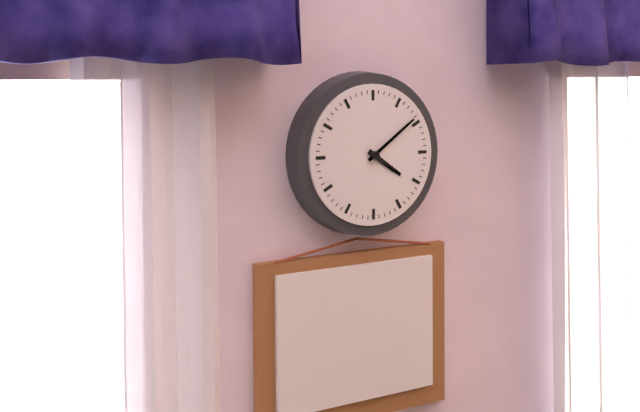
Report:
**4:09**
